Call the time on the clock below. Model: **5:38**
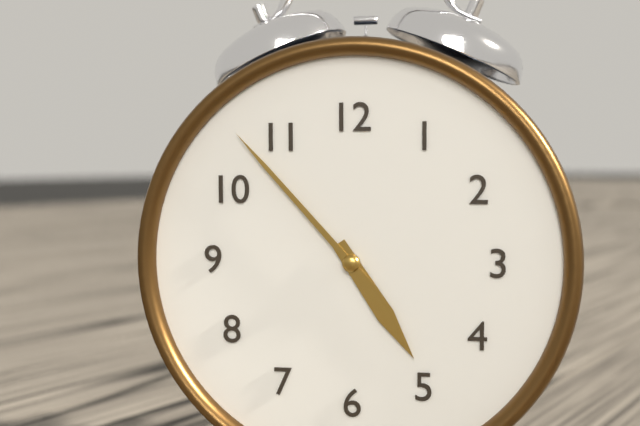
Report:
**4:53**
